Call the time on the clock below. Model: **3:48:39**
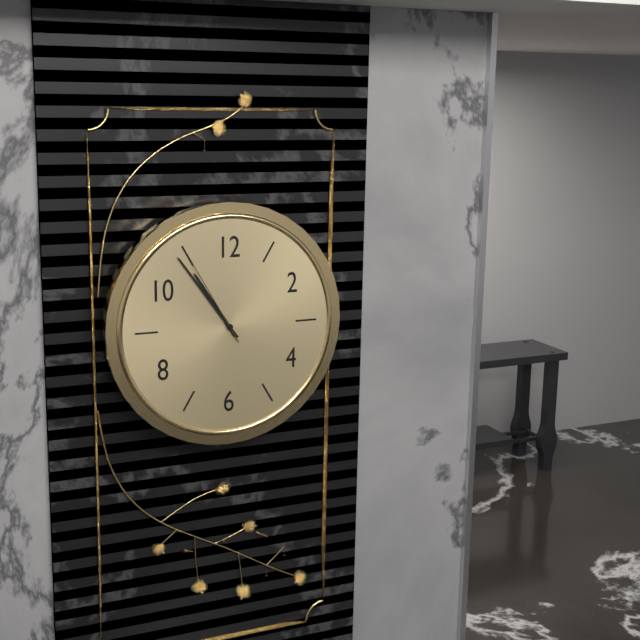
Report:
**10:54:55**
